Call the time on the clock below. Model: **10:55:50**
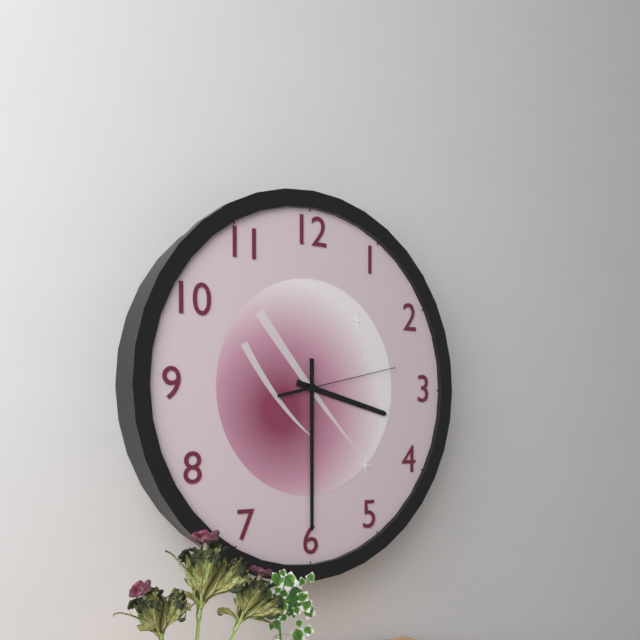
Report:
**3:30:13**
